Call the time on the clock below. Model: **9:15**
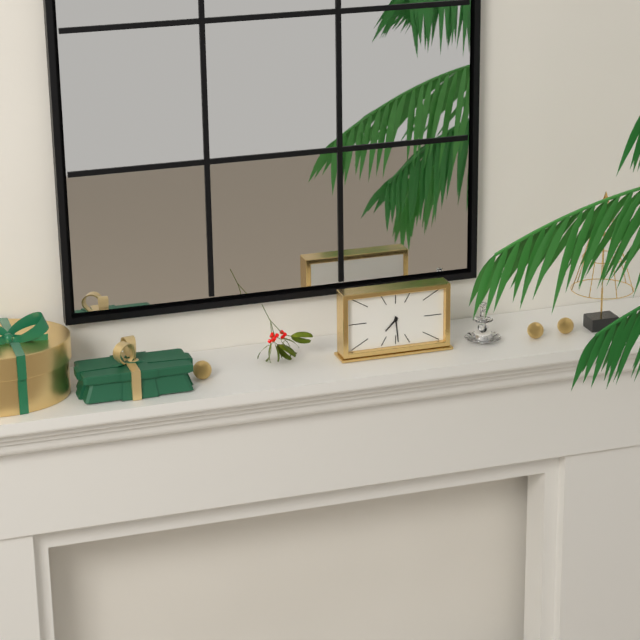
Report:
**7:29**
